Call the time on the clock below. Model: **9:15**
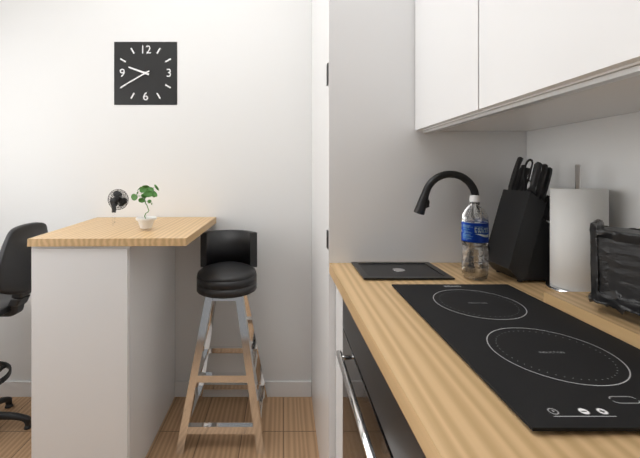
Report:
**9:40**
